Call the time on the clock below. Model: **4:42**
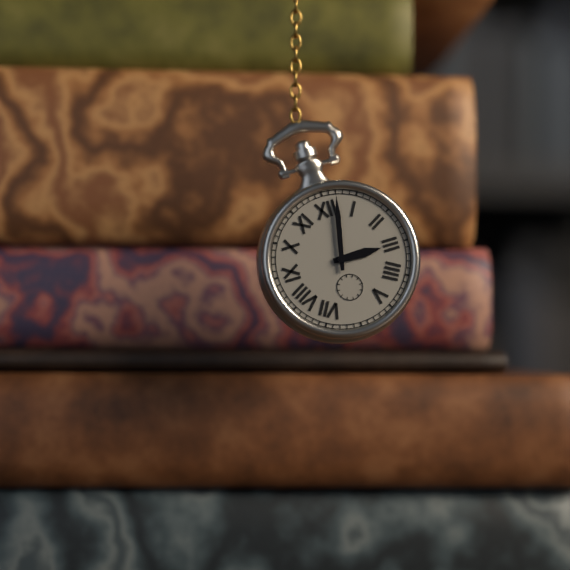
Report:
**3:02**
